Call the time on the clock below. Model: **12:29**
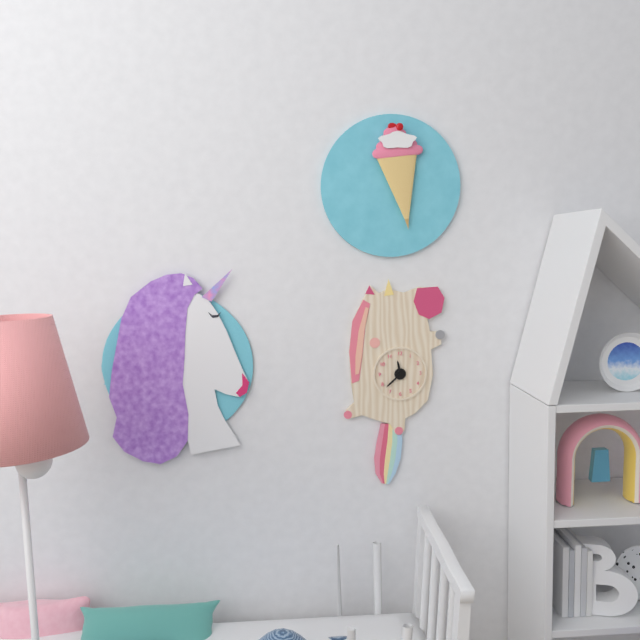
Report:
**11:38**
